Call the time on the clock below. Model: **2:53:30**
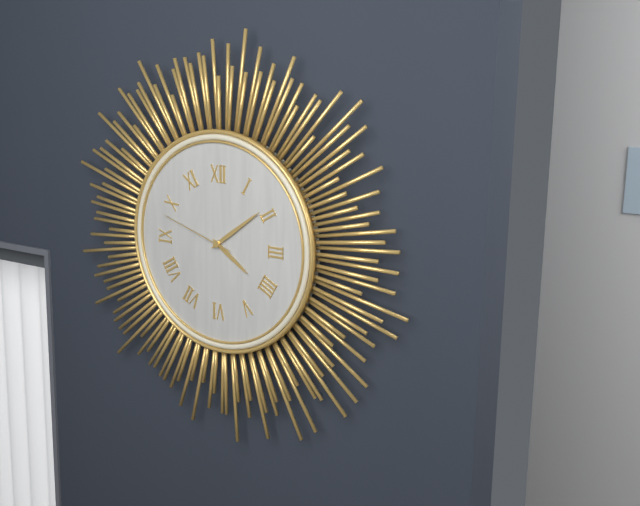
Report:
**4:09:48**
